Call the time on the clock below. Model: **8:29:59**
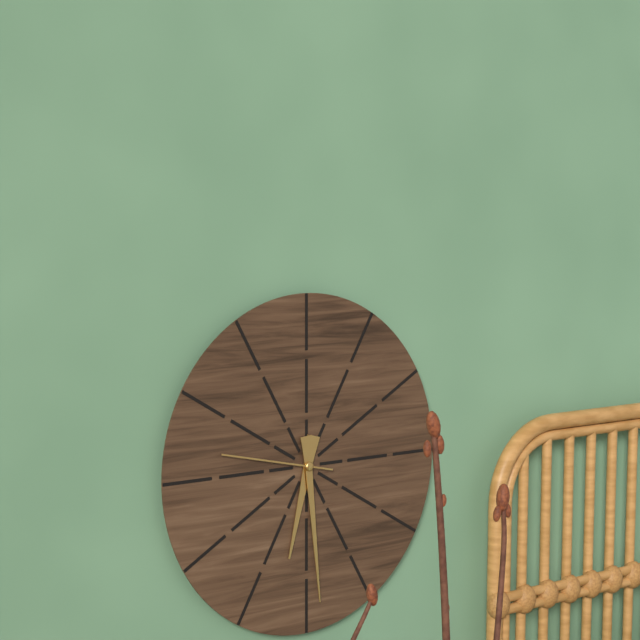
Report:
**6:29:47**
